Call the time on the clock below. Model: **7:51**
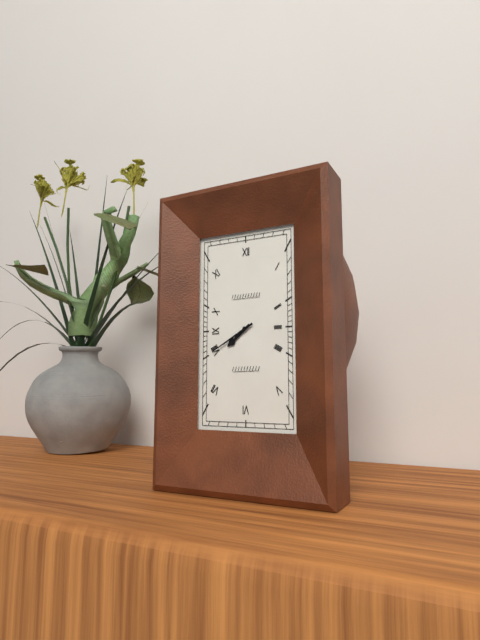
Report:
**7:40**
